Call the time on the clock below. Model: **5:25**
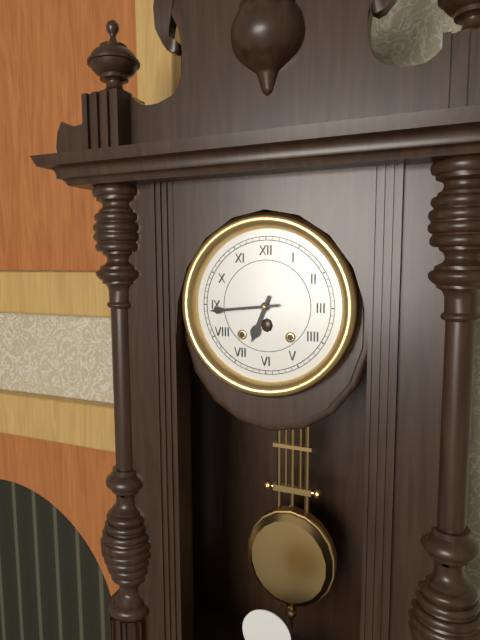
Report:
**6:44**
